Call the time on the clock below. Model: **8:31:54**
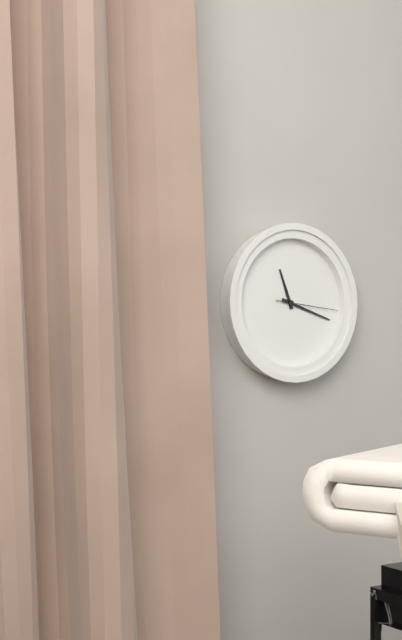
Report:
**11:18:16**
